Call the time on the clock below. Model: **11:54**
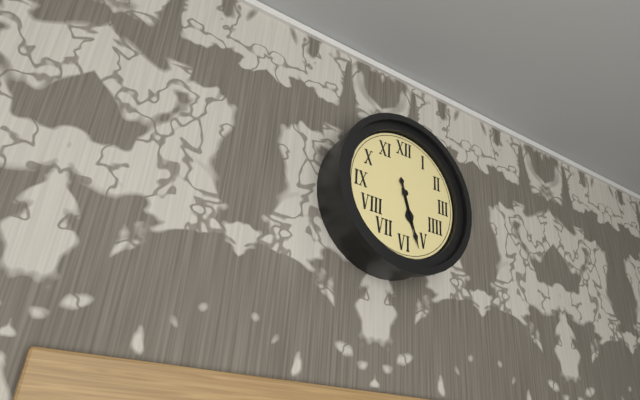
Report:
**5:27**
